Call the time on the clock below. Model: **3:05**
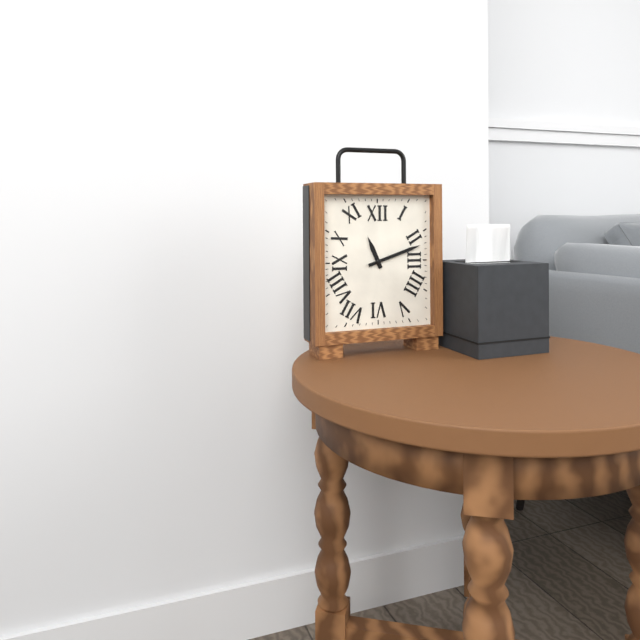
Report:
**11:12**
